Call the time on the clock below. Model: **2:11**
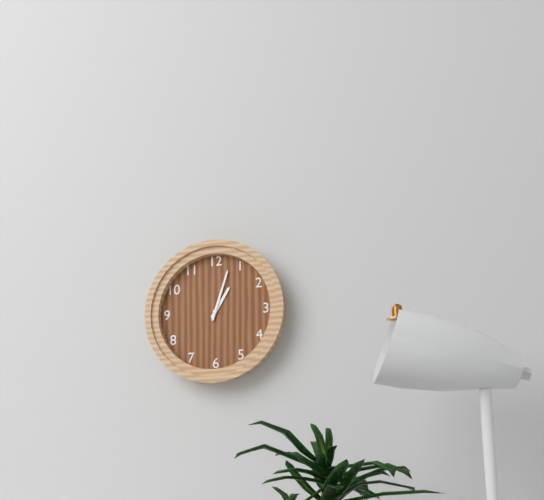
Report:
**1:03**
